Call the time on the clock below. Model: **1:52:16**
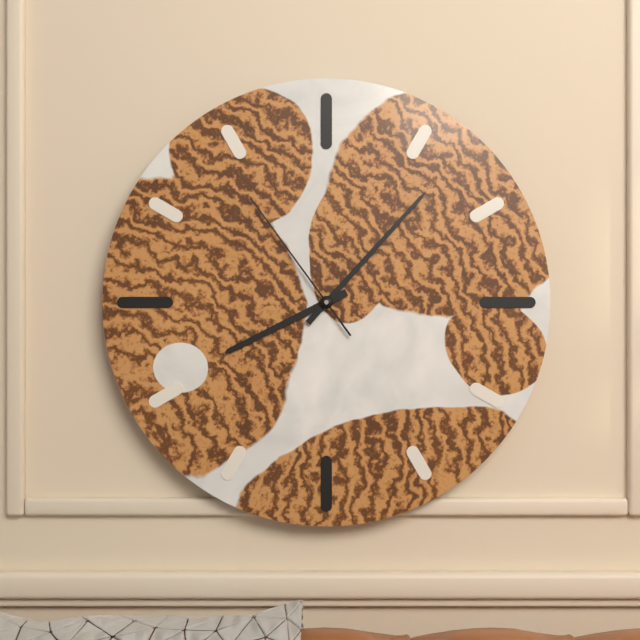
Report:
**8:07:54**
